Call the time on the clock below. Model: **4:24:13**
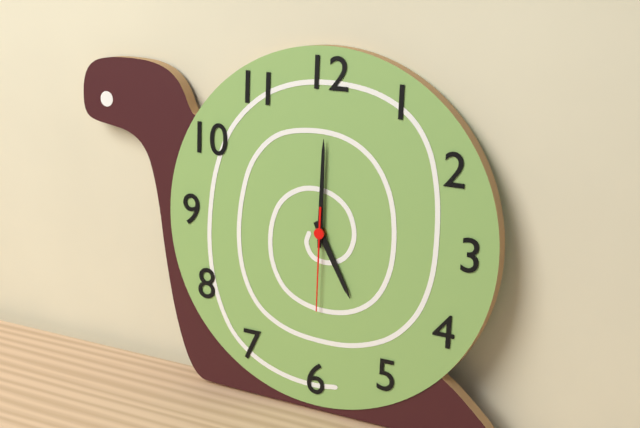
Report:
**5:00:30**
